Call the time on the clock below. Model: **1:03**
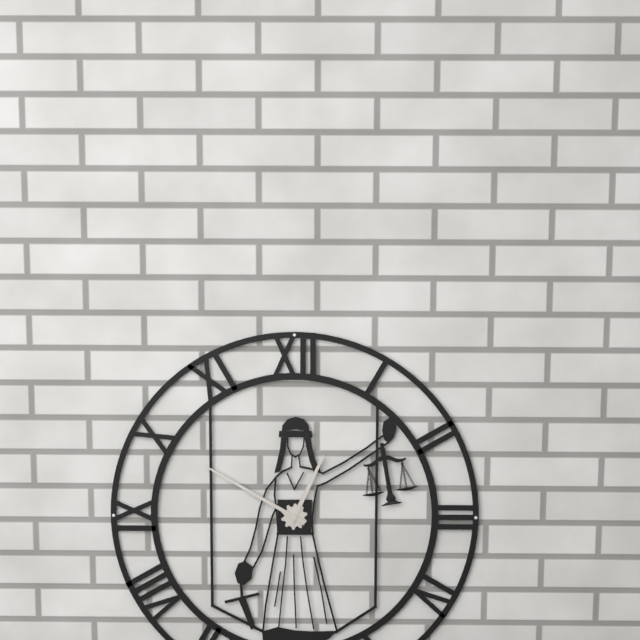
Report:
**12:50**
